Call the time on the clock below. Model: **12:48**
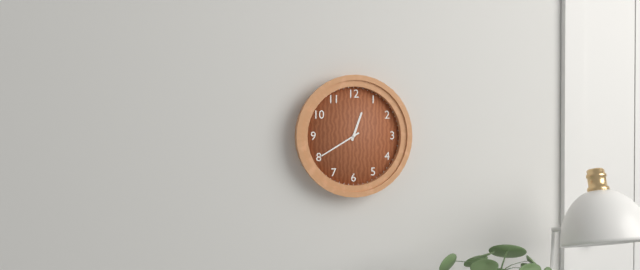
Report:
**12:40**
